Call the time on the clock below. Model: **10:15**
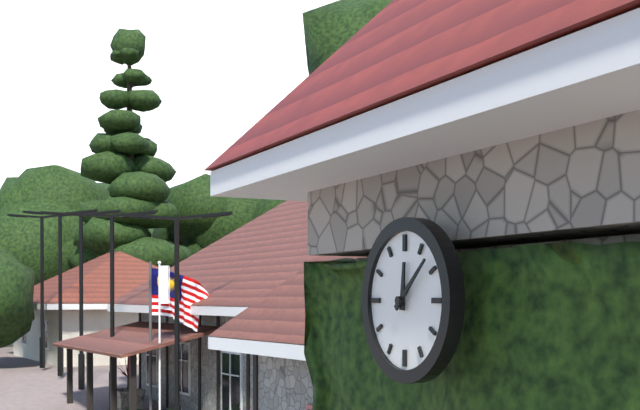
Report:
**12:08**
